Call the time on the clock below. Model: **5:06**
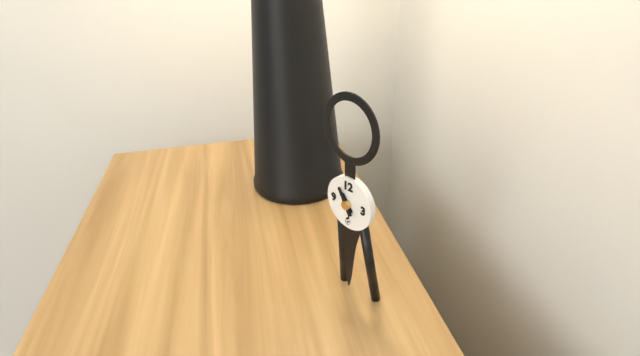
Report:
**10:55**
